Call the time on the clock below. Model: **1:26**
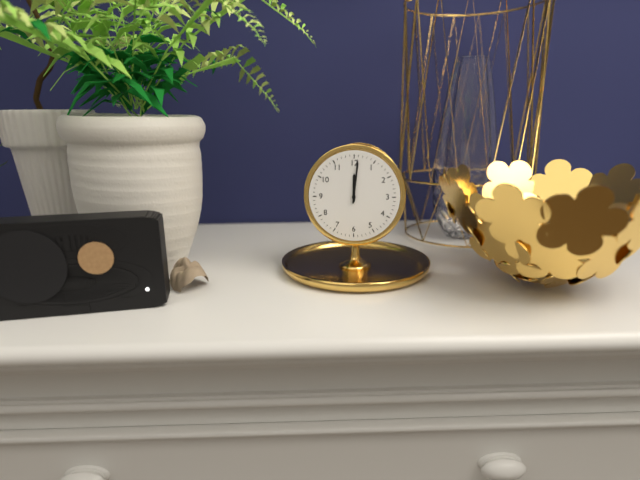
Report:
**12:01**
